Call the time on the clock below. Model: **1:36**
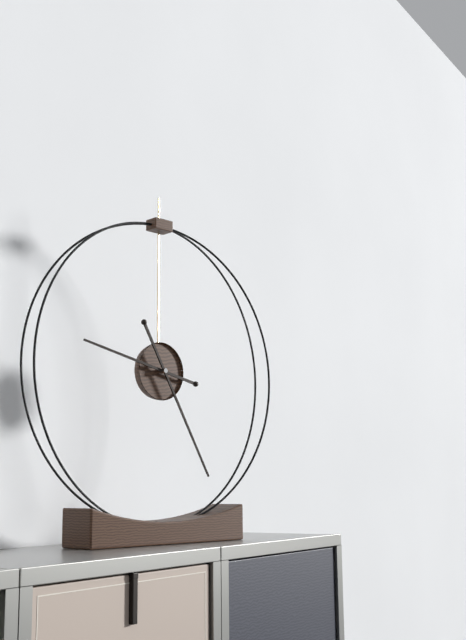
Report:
**9:25**
